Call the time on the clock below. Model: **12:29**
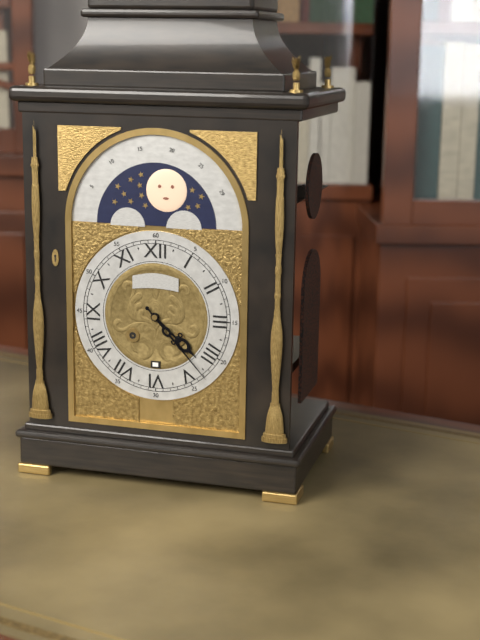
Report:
**4:23**
